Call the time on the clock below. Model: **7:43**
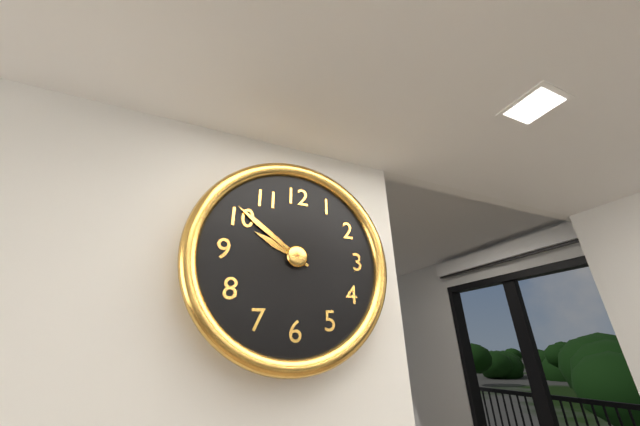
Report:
**9:51**
